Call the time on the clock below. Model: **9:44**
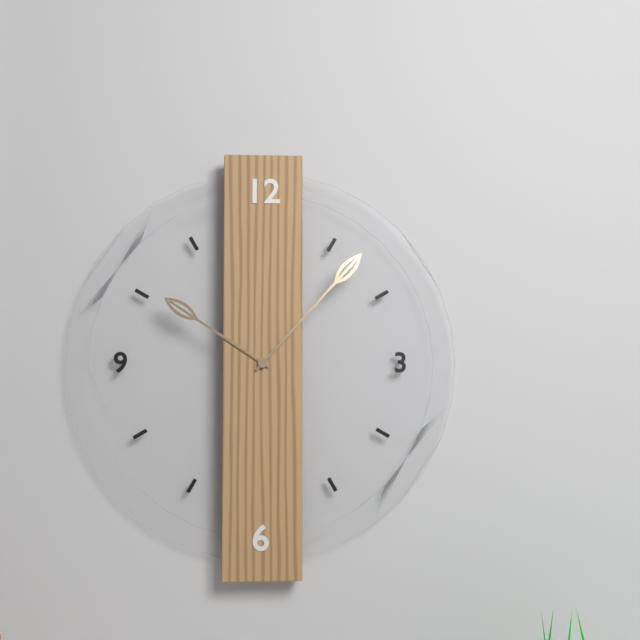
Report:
**10:07**
